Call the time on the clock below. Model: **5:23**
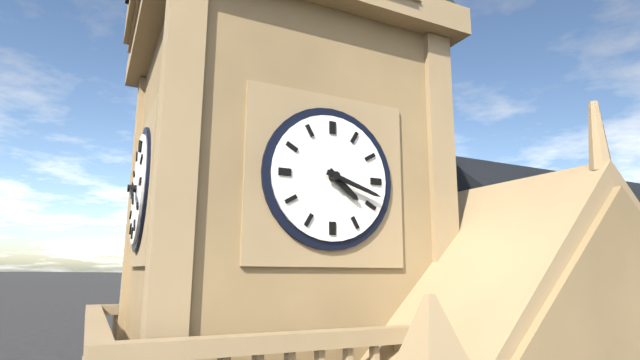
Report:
**4:18**
